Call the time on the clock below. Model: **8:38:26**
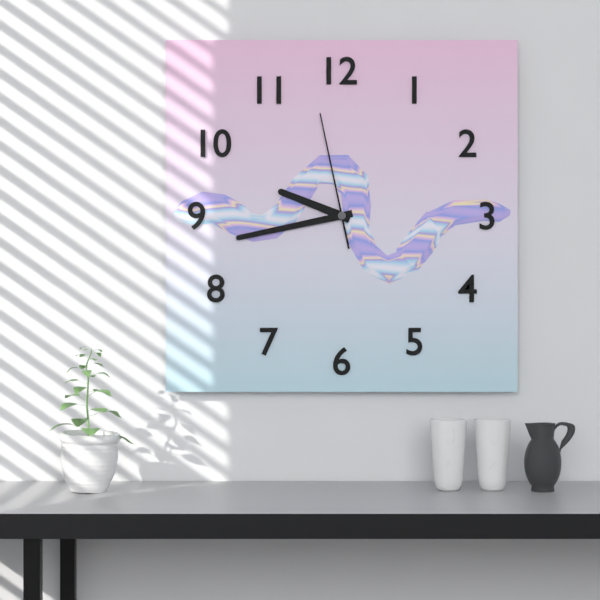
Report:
**9:43:58**
